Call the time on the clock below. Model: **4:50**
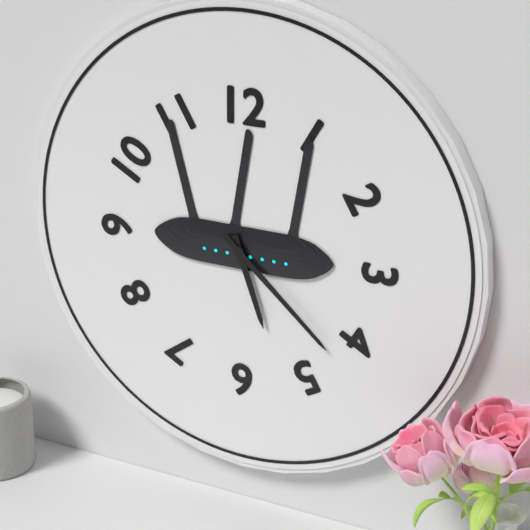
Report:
**5:22**
